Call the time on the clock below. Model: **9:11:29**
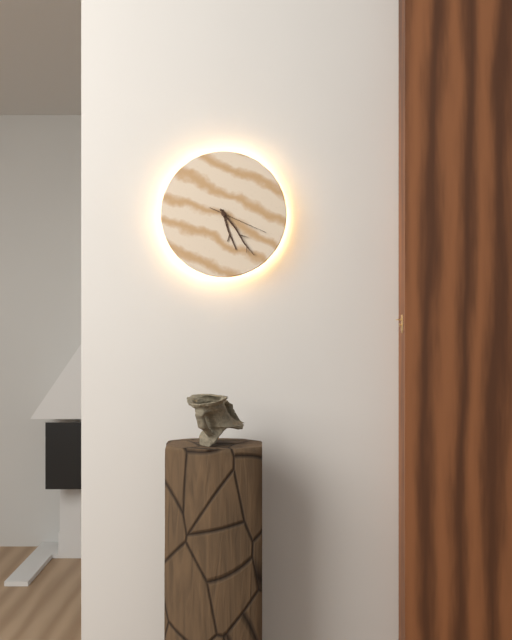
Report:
**5:24:19**
